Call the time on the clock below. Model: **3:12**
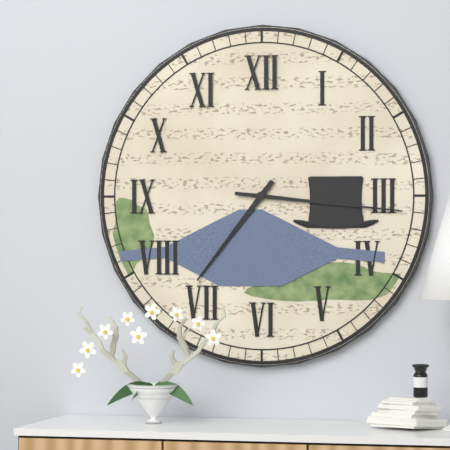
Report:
**7:16**
